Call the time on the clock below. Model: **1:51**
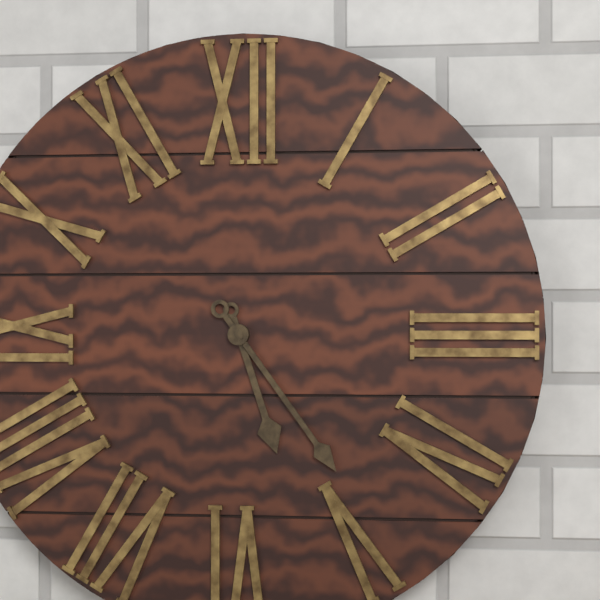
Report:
**5:24**
